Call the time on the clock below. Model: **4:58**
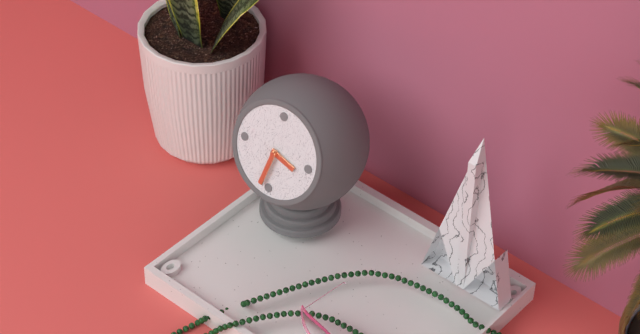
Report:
**3:32**
